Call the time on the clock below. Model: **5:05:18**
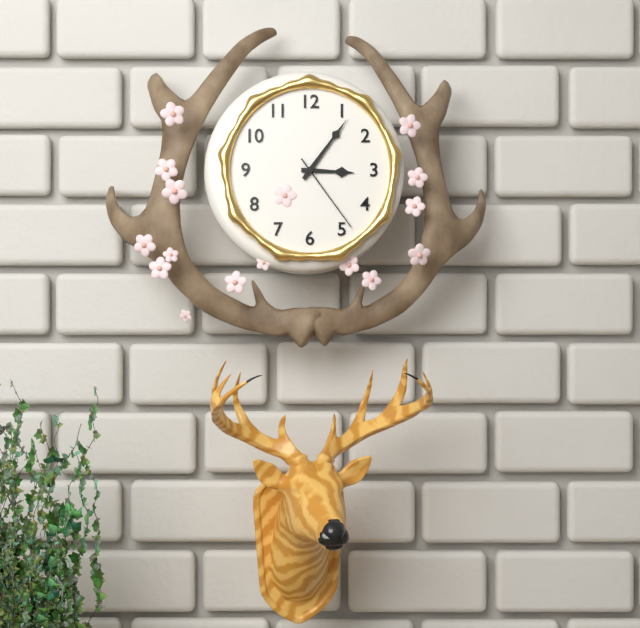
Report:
**3:06:24**
